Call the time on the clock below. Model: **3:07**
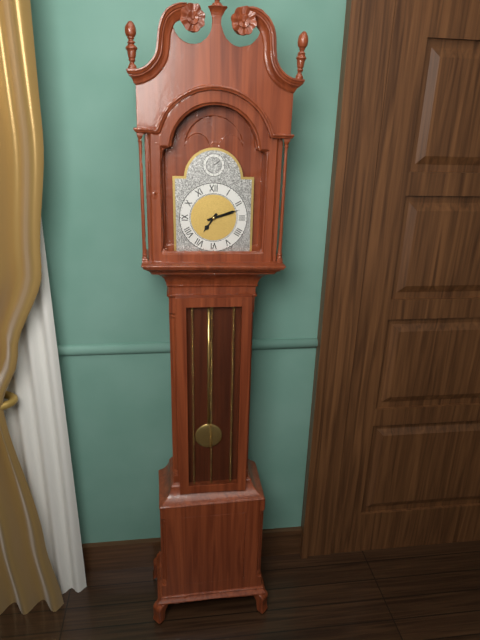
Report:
**7:12**
